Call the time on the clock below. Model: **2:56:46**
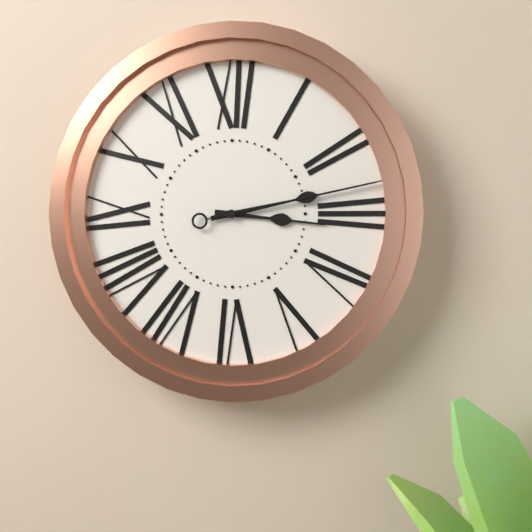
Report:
**3:13:13**
